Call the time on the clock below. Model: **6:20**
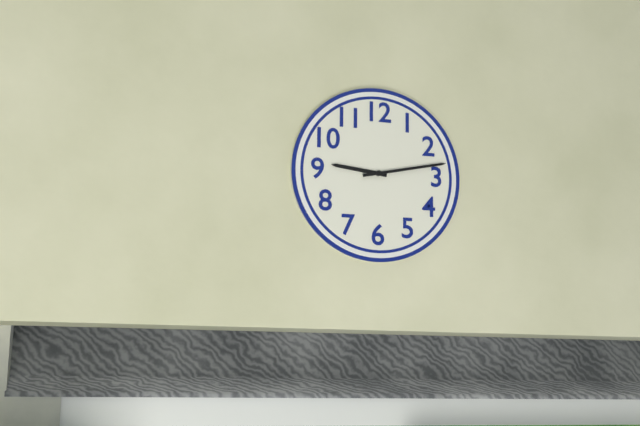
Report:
**9:13**
